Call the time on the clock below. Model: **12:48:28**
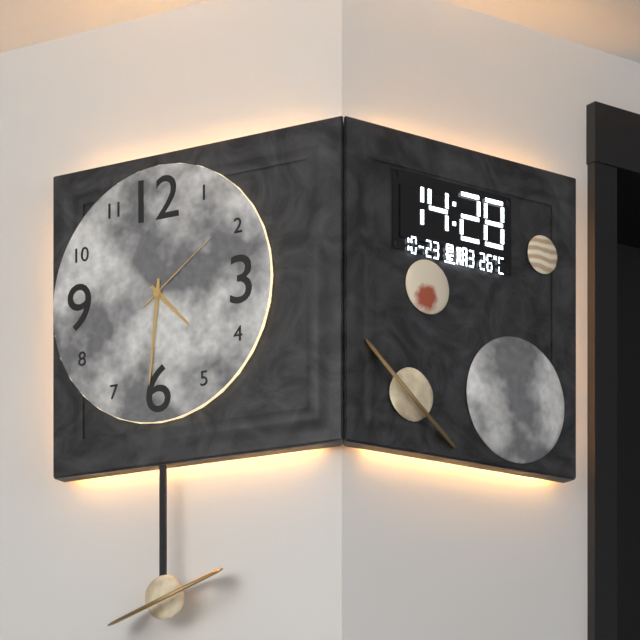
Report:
**4:31:09**
